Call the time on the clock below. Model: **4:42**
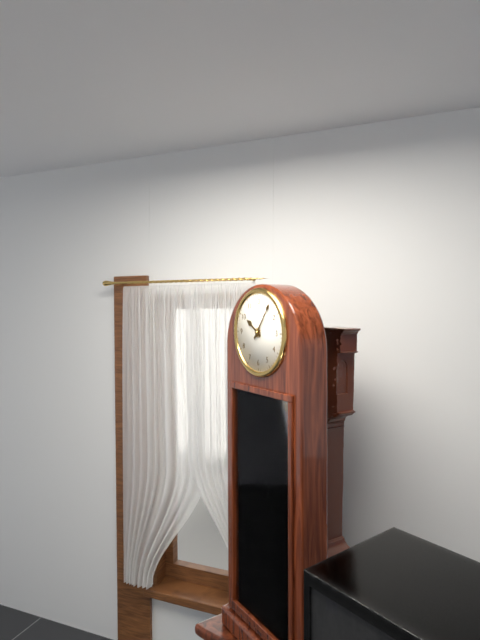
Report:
**10:06**
